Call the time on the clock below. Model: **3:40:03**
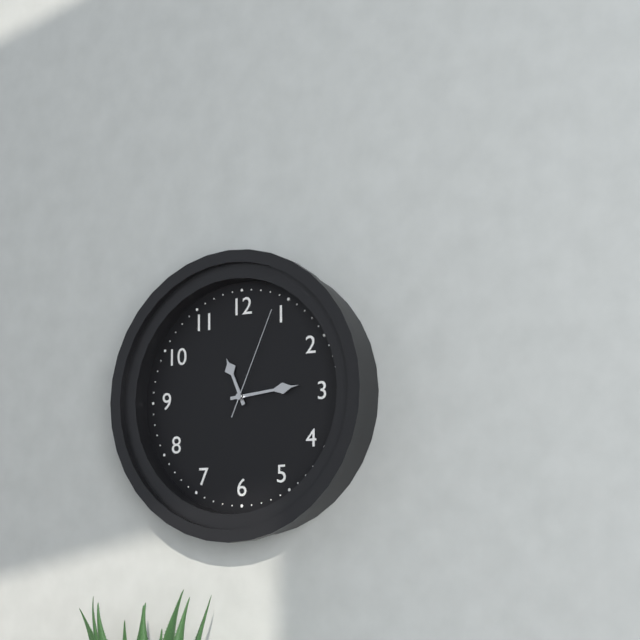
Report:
**11:14:04**
